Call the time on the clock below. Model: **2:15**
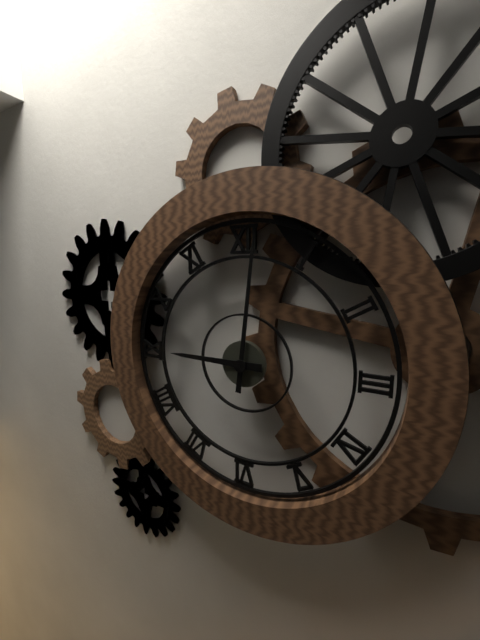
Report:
**9:01**
